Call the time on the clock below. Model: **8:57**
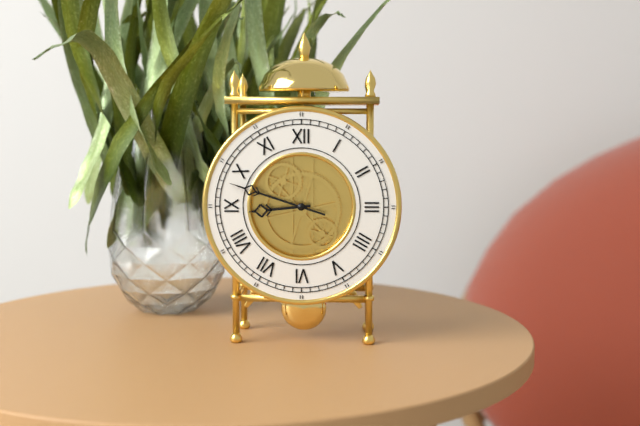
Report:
**8:48**
